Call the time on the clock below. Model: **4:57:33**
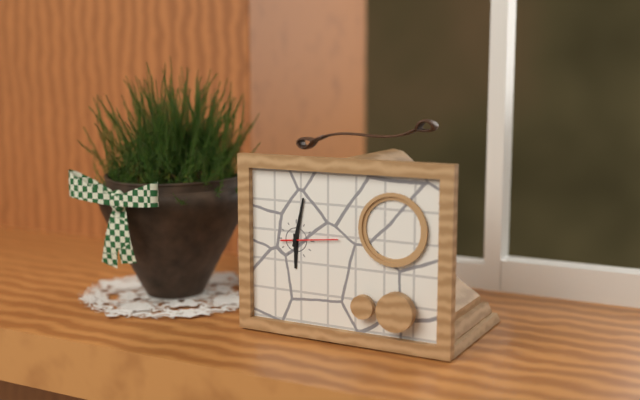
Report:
**6:02:14**
